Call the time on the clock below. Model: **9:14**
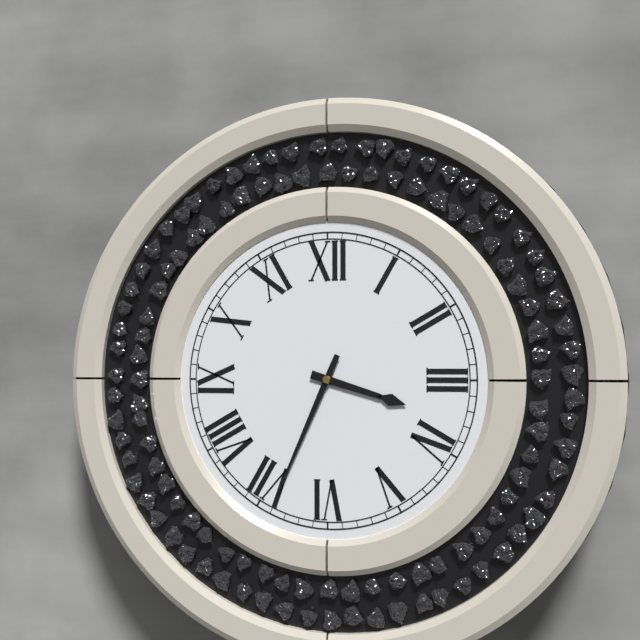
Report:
**3:34**
